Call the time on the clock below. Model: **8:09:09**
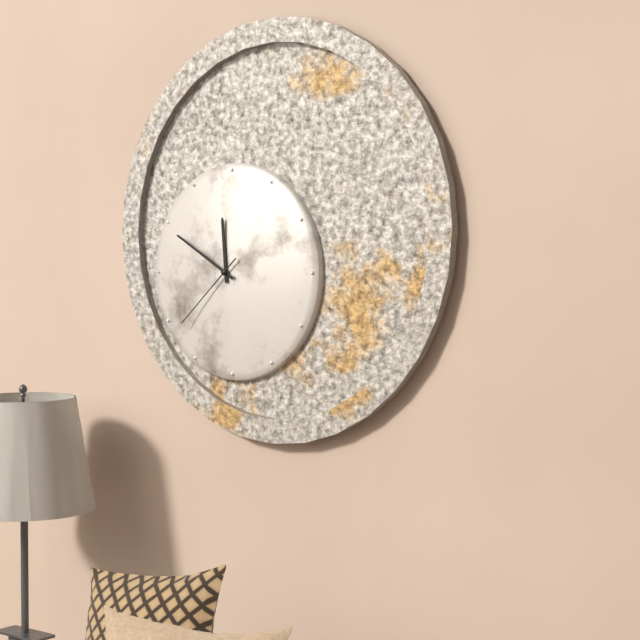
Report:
**11:50:38**
